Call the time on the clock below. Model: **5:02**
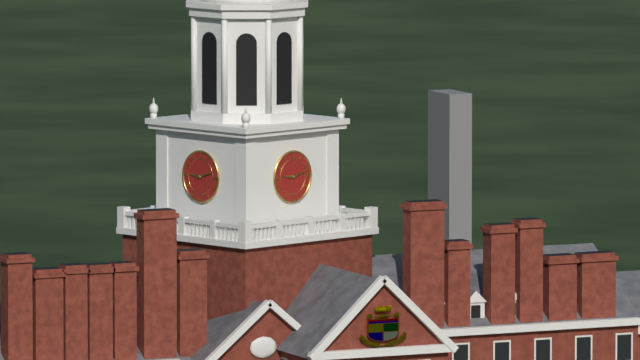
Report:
**9:12**
